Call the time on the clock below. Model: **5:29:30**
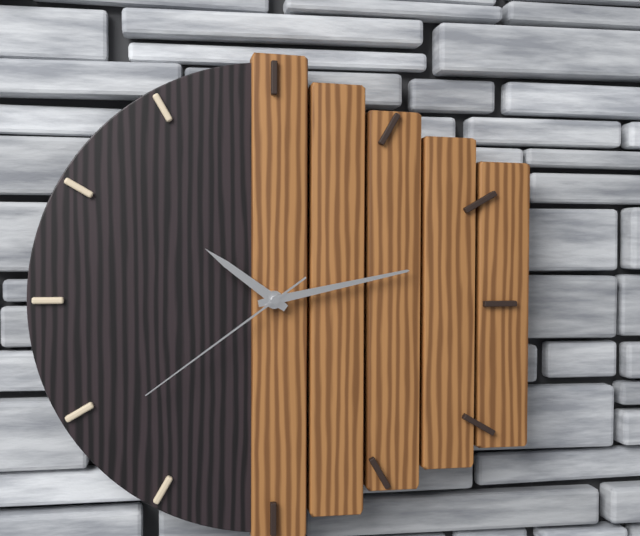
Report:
**10:13:39**
